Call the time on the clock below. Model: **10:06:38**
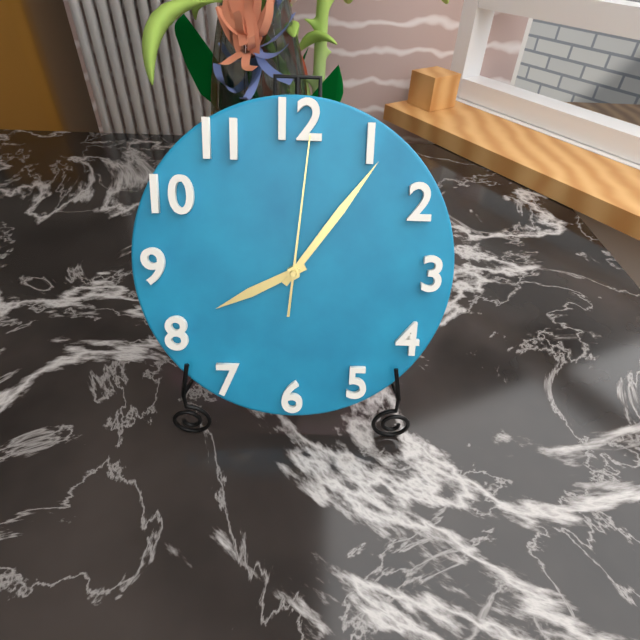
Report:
**8:06:01**
